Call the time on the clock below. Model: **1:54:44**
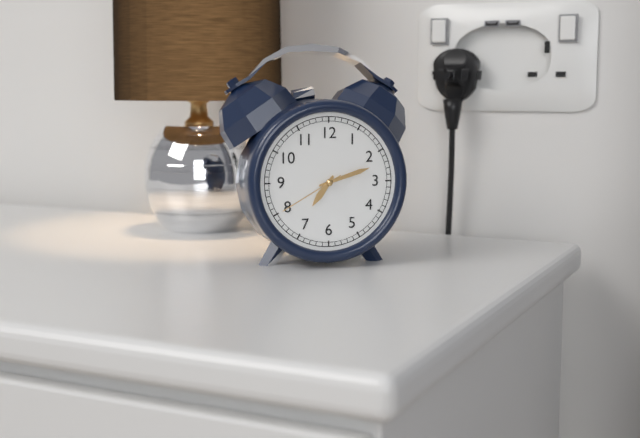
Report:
**7:12:40**
